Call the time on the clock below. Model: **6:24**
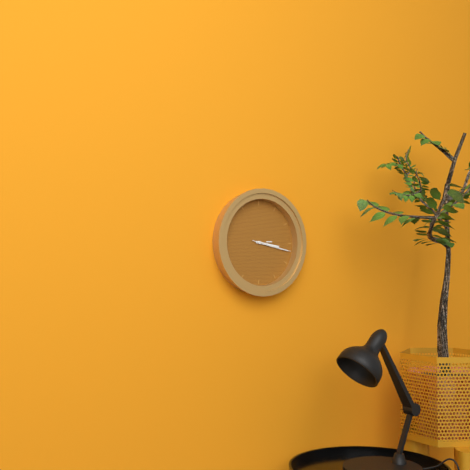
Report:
**3:17**
